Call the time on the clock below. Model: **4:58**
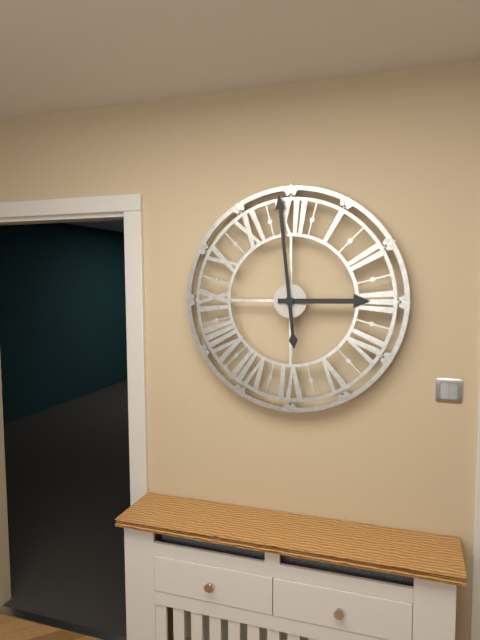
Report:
**2:59**
